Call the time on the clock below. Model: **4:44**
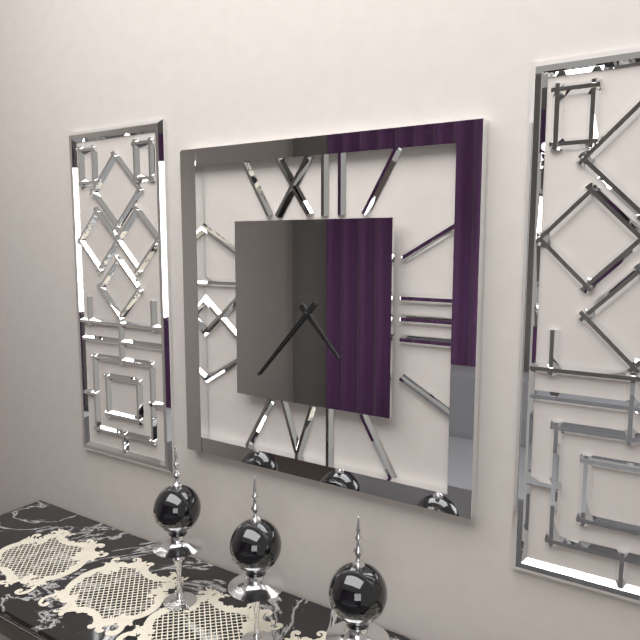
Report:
**4:37**
